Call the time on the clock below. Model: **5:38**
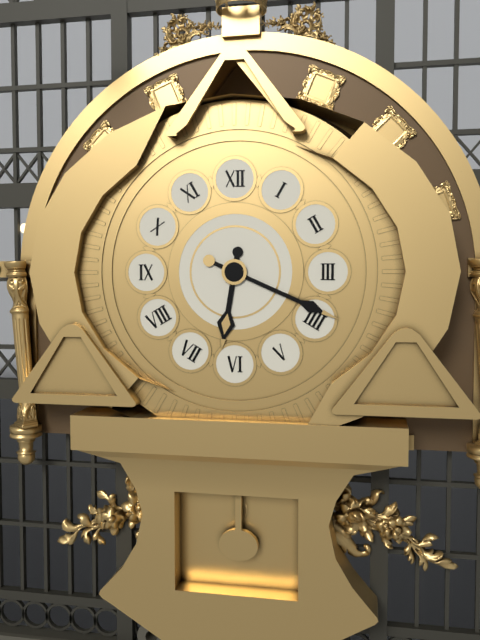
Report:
**6:19**
